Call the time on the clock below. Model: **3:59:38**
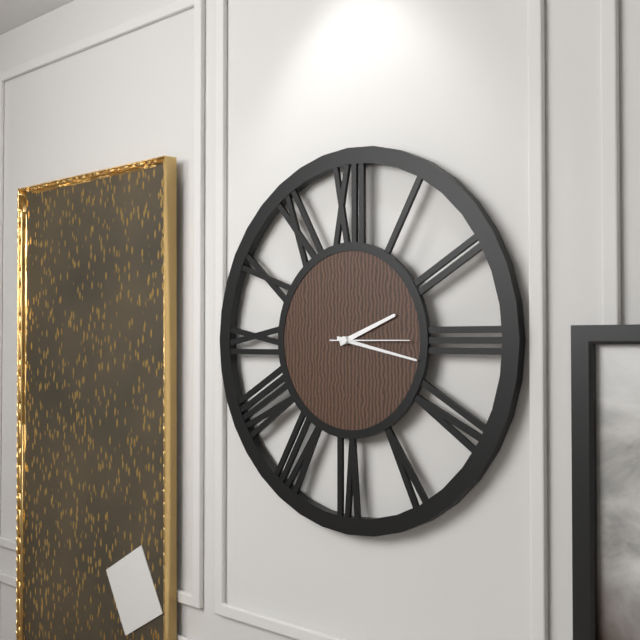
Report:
**2:17:15**
